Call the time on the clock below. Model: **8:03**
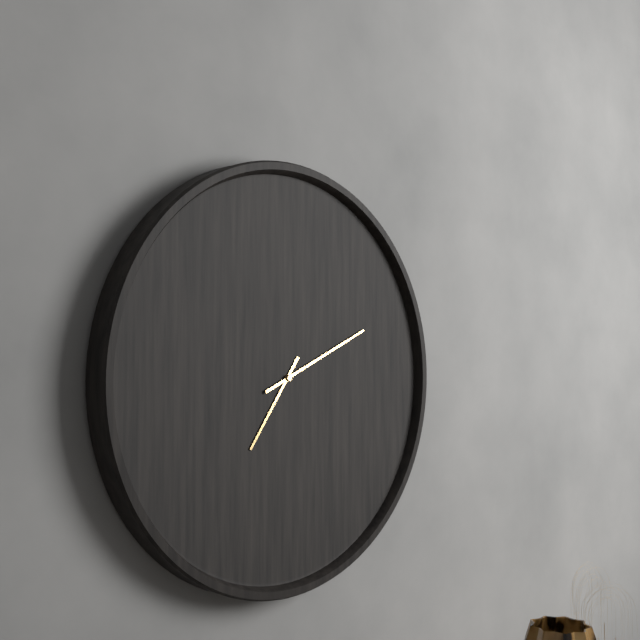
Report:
**7:11**
